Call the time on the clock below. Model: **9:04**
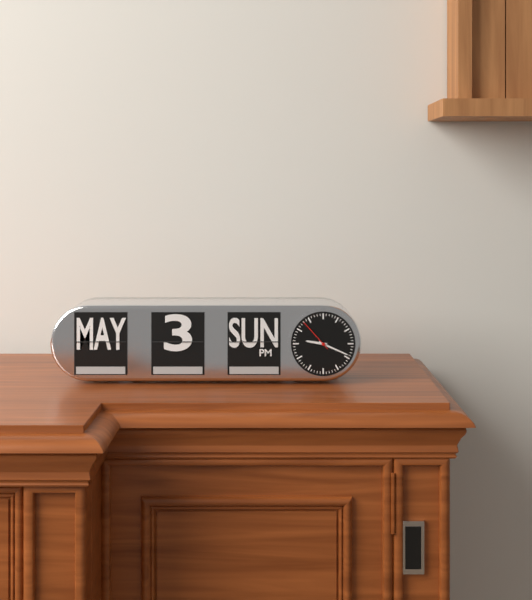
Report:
**9:19**
